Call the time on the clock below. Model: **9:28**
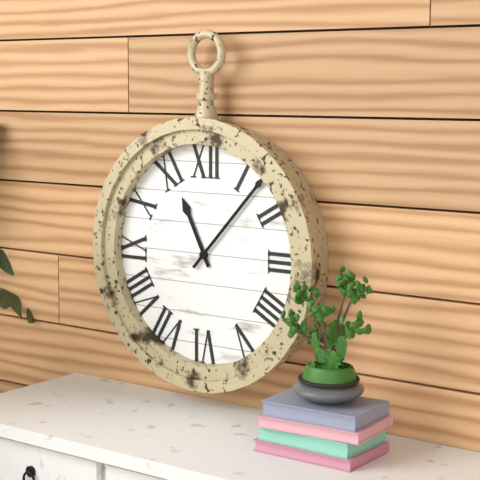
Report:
**11:07**
